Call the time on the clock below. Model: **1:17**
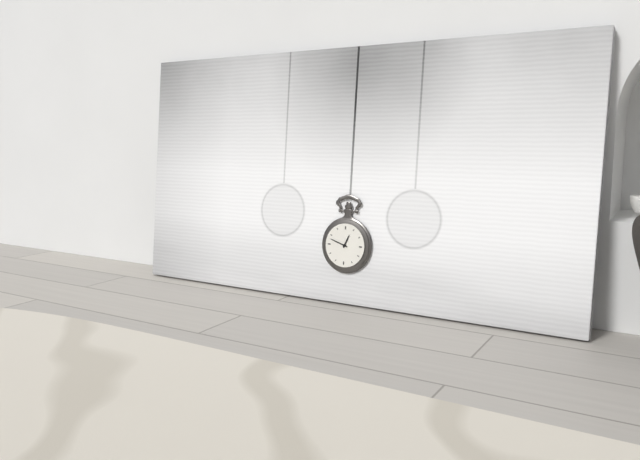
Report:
**12:48**
